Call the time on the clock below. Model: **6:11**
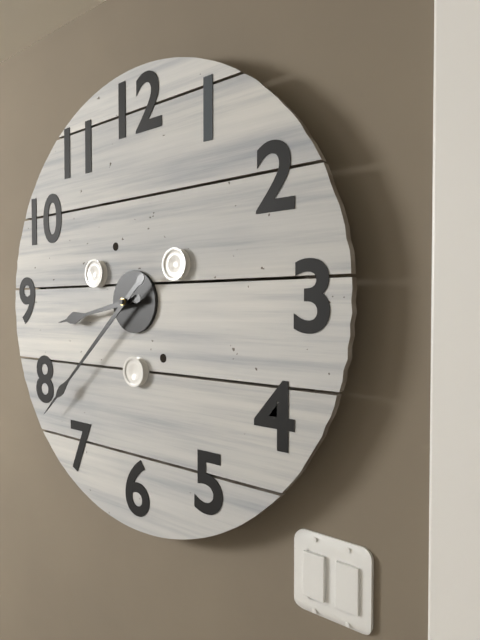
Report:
**8:38**
